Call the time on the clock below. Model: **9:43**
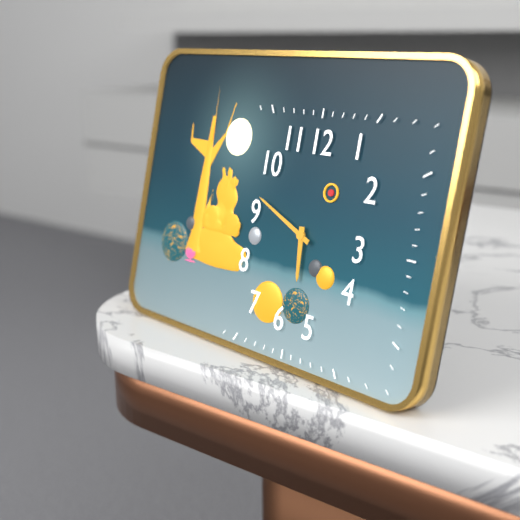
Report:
**5:49**
